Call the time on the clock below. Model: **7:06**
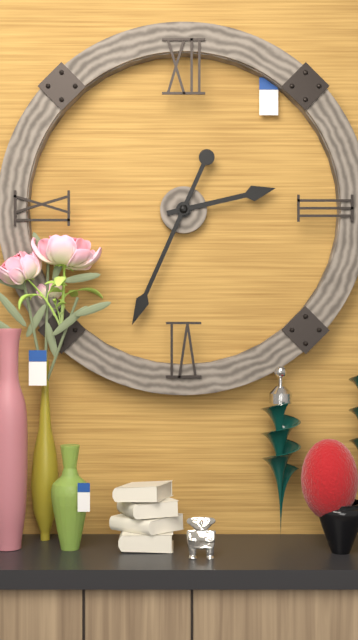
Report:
**2:34**
